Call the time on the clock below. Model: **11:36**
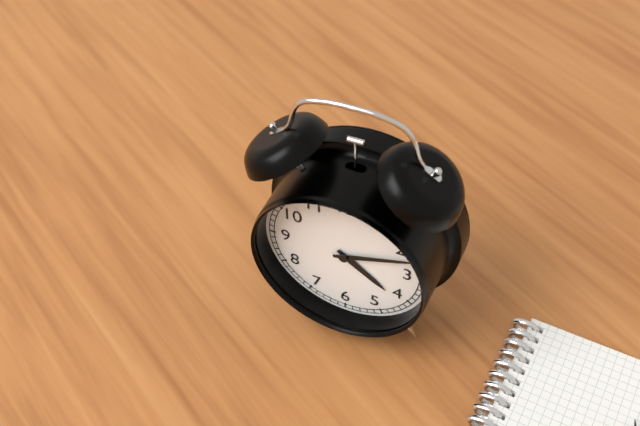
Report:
**4:12**
